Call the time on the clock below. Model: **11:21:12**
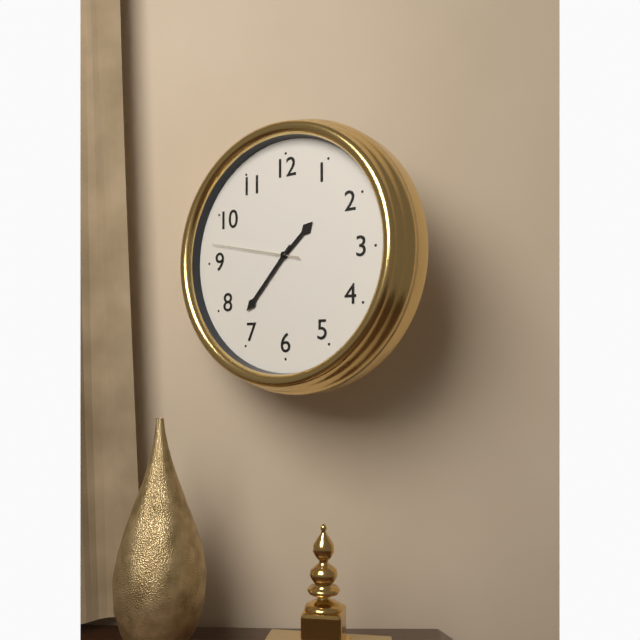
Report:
**1:37:47**
